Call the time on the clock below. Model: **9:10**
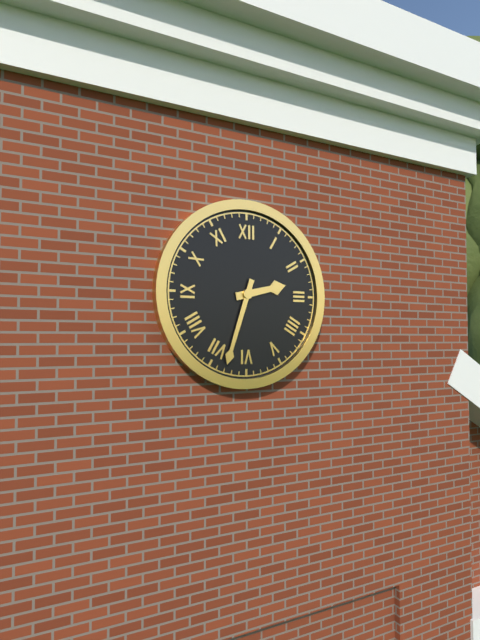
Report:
**2:33**
